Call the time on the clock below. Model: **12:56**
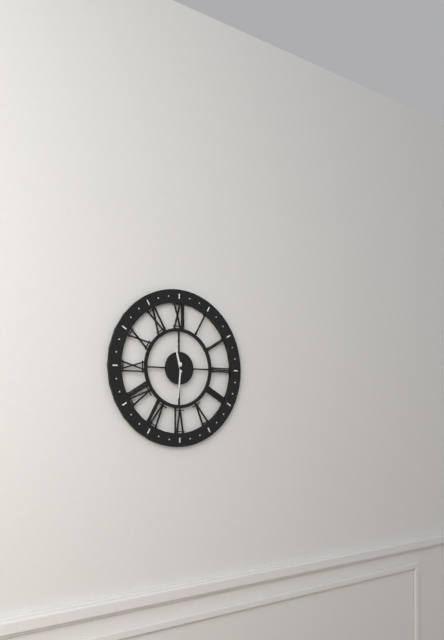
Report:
**11:31**
